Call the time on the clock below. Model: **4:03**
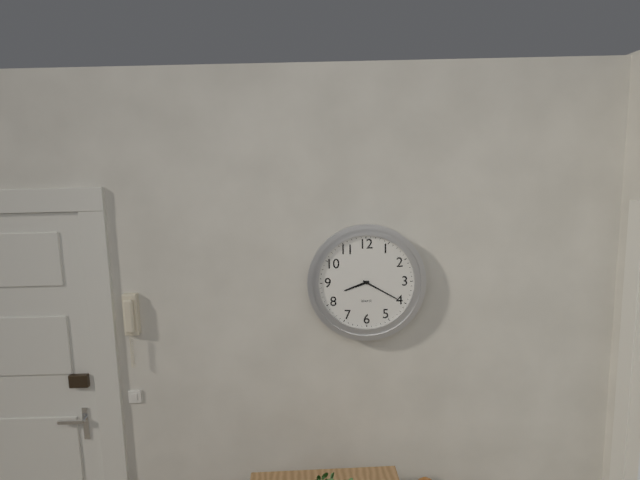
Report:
**8:20**
